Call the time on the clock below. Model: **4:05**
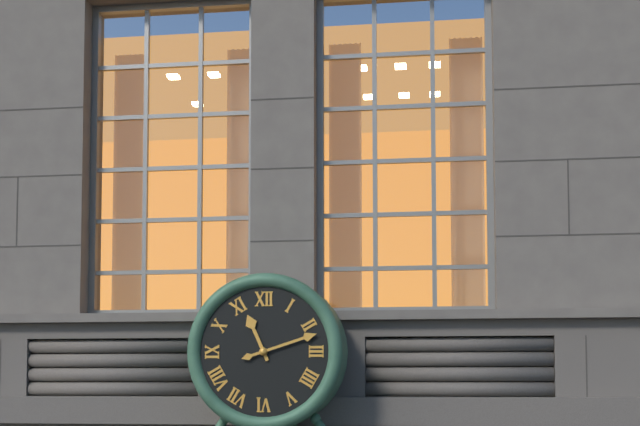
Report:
**11:12**
